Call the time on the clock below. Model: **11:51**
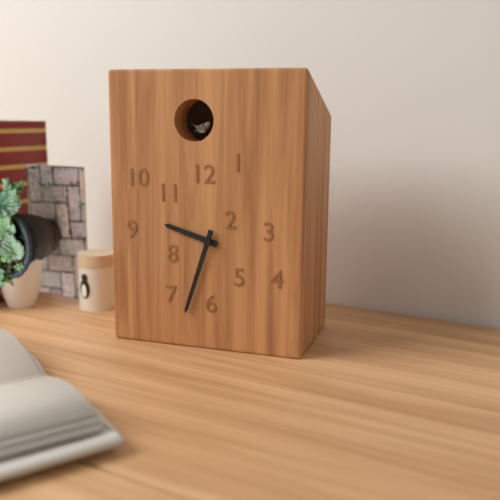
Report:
**9:33**
